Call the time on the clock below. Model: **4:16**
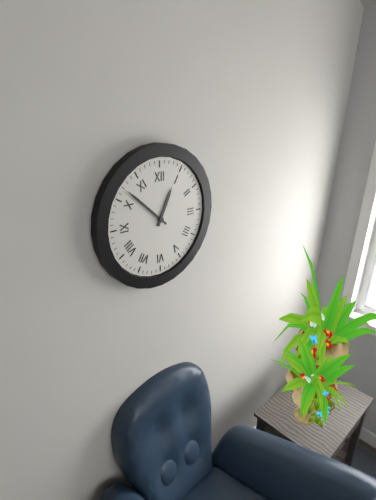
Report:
**12:52**
